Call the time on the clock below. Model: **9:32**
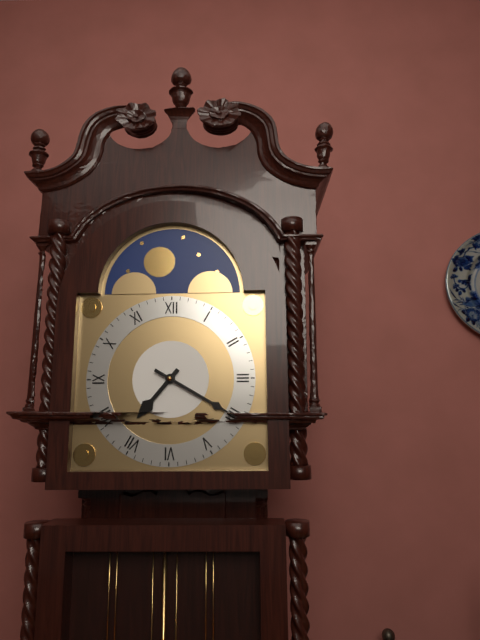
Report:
**7:20**
